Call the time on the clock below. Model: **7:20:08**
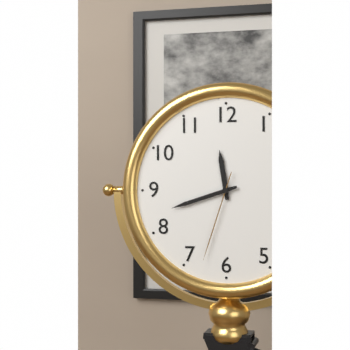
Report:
**11:42:33**
